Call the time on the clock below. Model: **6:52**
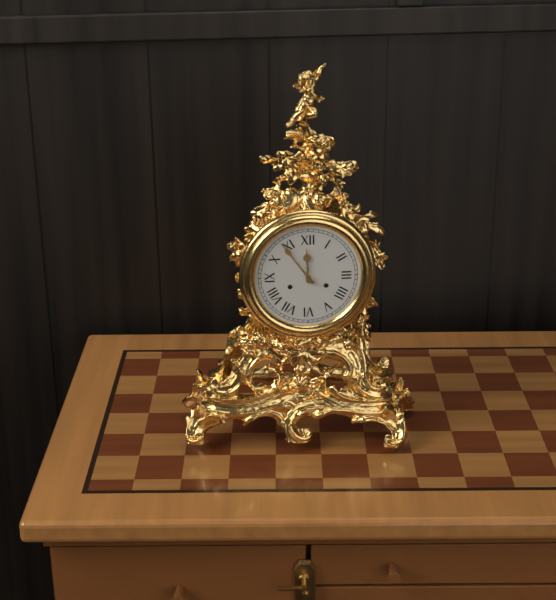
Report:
**11:54**
